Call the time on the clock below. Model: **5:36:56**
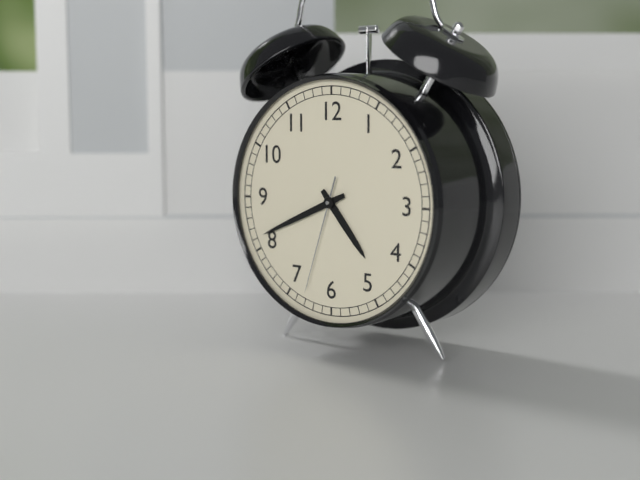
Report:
**4:41:33**
